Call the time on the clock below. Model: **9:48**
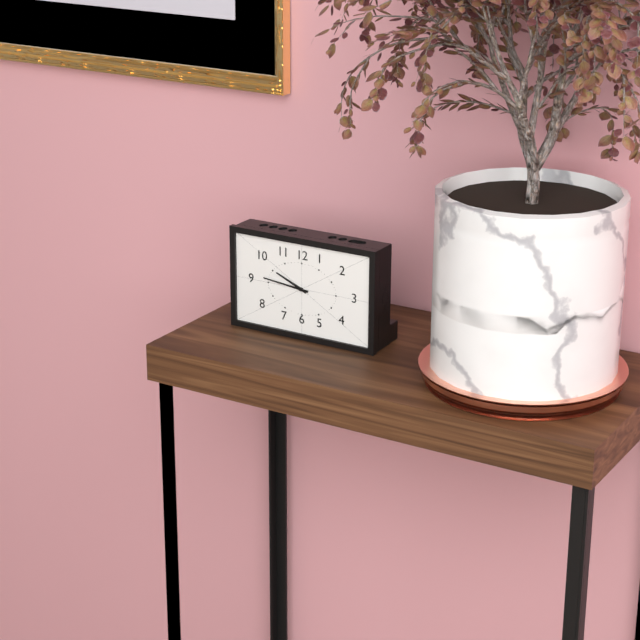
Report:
**9:46**
